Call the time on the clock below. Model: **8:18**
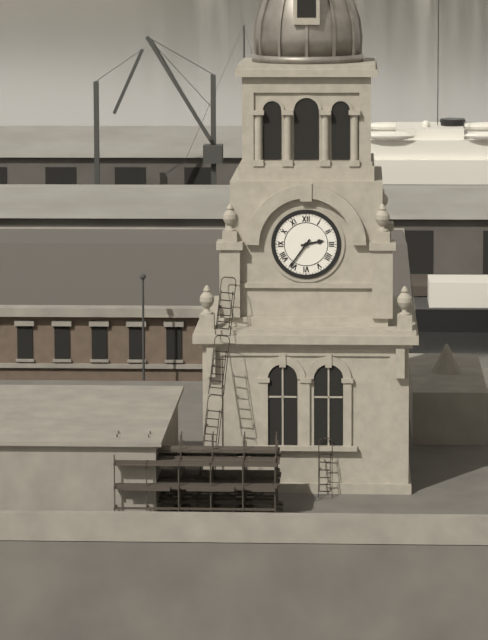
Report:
**2:36**
